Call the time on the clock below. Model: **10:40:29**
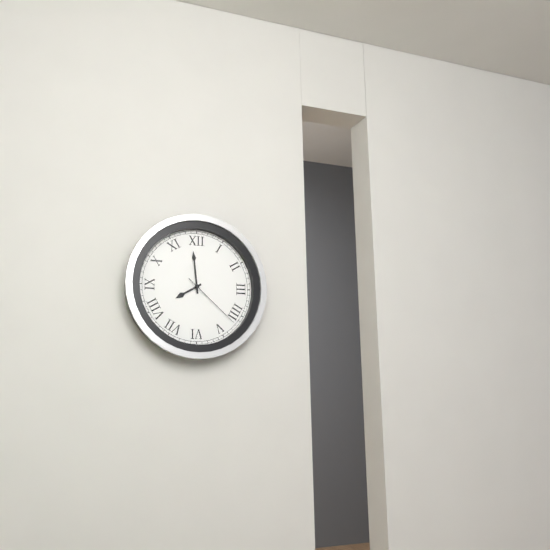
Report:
**7:59:22**
